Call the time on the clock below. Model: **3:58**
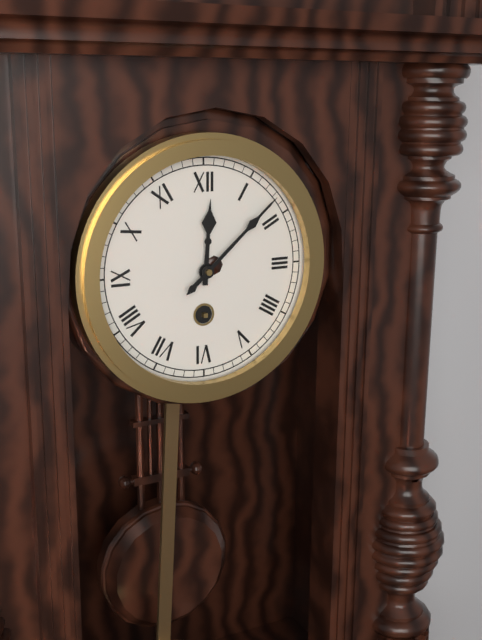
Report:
**12:08**
